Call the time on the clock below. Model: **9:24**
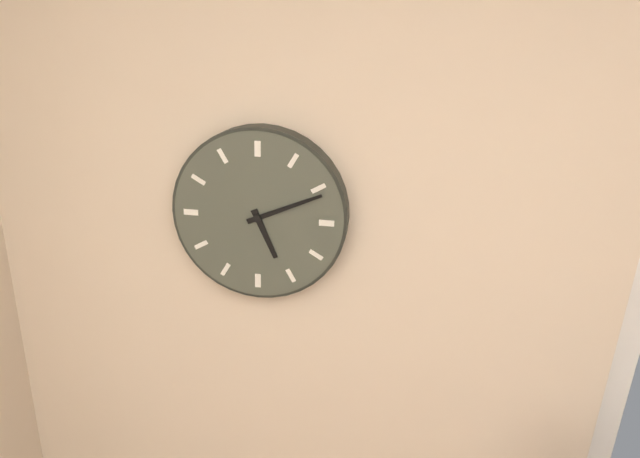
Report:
**5:11**
